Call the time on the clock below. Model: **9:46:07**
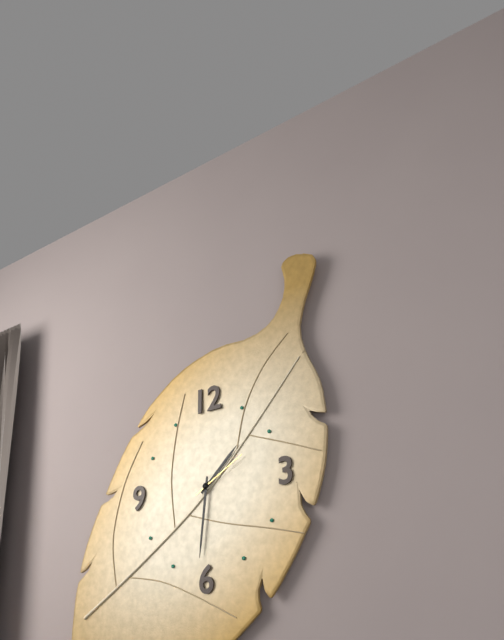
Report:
**1:31:10**
